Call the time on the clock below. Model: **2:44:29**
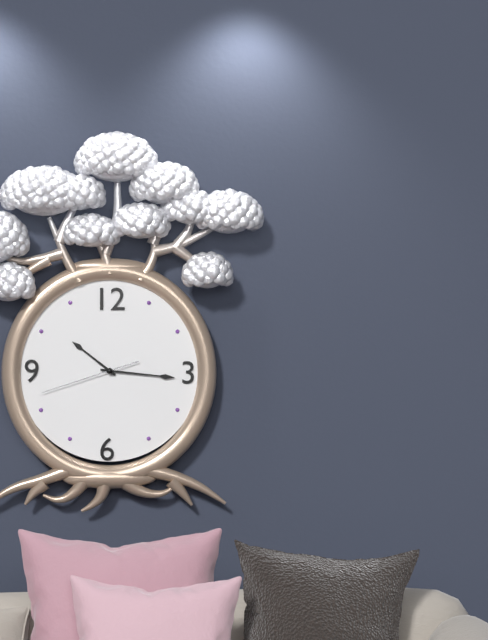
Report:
**10:16:42**
